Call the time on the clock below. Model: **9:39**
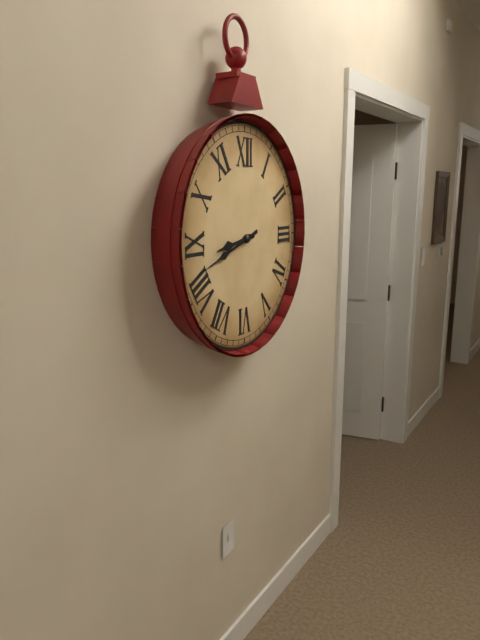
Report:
**8:42**
